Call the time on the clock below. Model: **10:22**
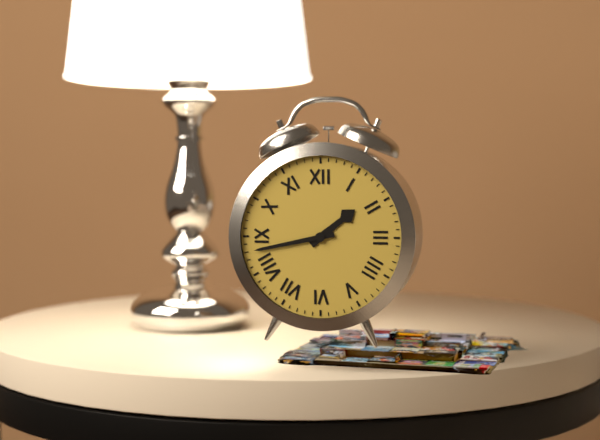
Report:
**1:43**
